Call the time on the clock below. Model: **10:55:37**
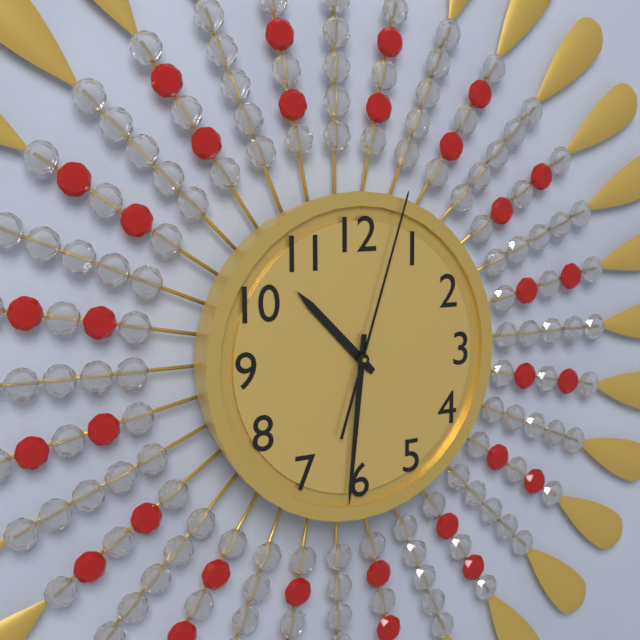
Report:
**10:31:03**
